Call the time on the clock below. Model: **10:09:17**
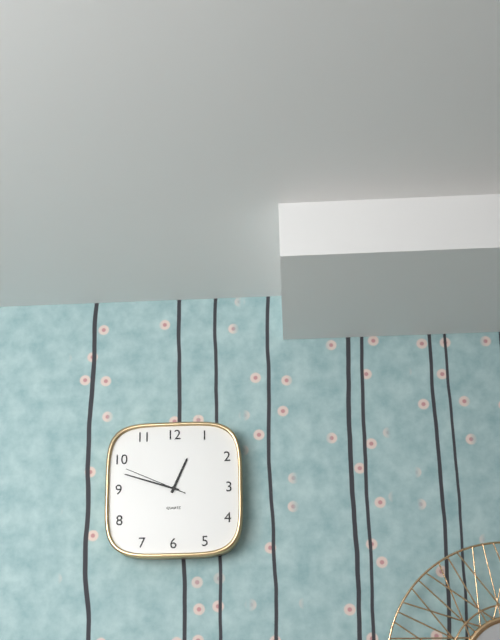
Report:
**12:48:49**
